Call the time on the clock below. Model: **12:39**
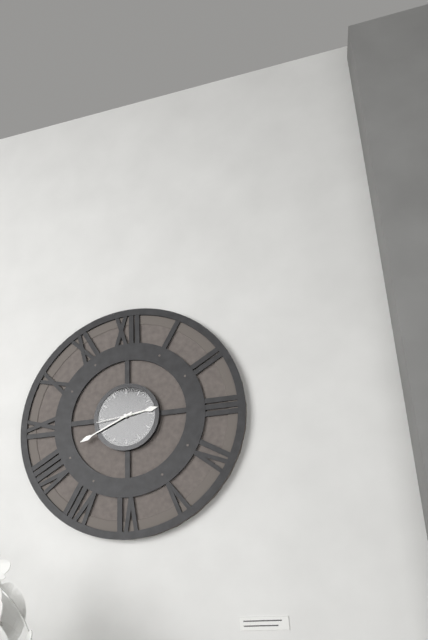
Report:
**2:41**
